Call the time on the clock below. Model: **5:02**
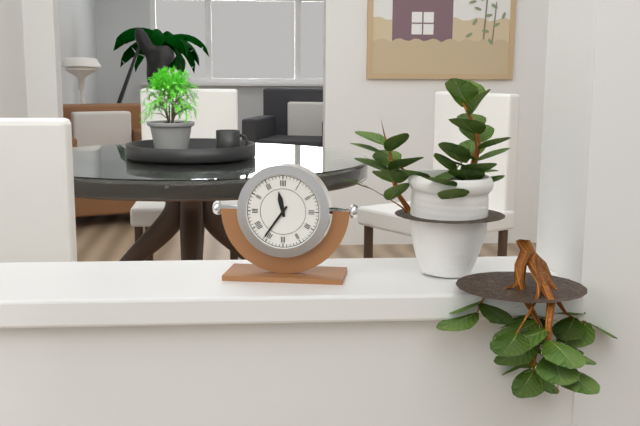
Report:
**11:36**
